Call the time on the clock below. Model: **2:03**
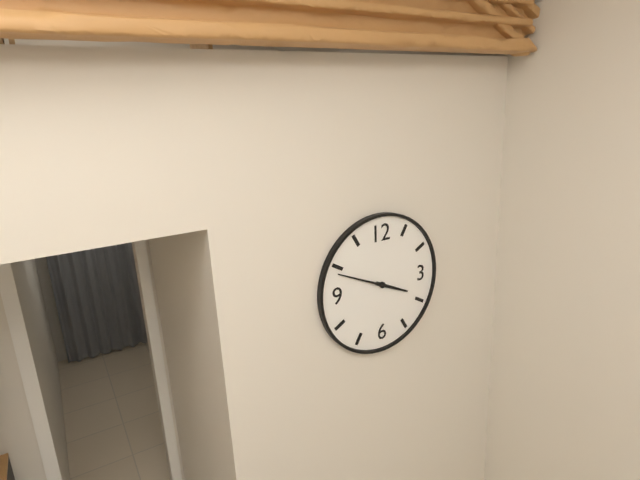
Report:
**3:49**
